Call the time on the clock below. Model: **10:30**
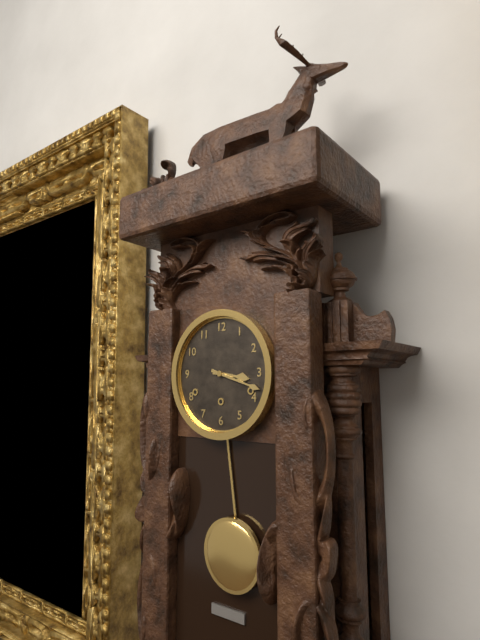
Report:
**3:18**
